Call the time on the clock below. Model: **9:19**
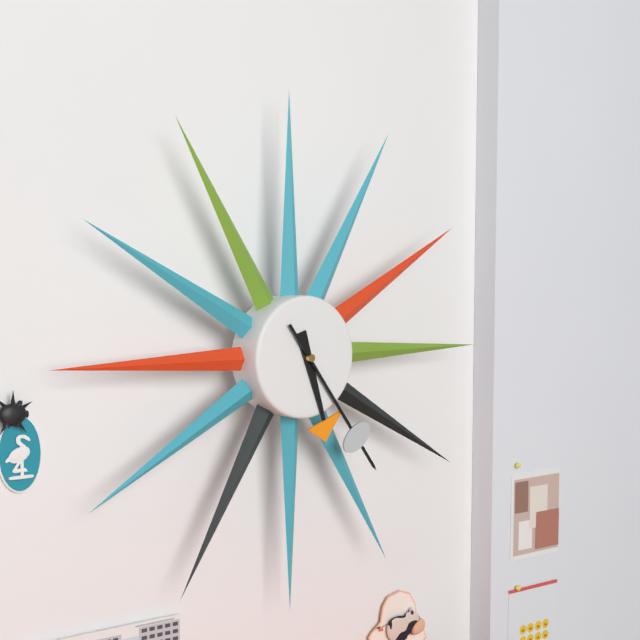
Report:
**5:24**
